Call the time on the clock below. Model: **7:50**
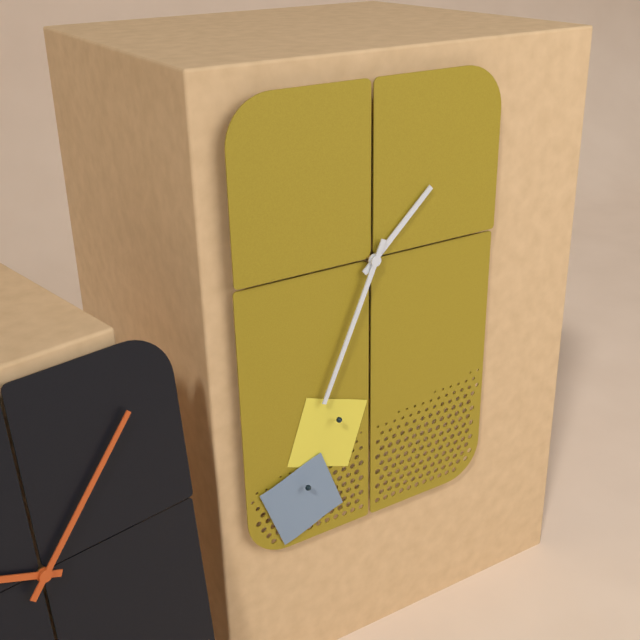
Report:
**1:34**
